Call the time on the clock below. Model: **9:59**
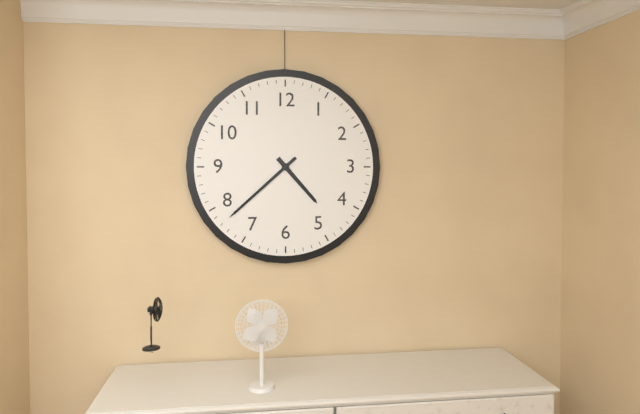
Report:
**4:38**
